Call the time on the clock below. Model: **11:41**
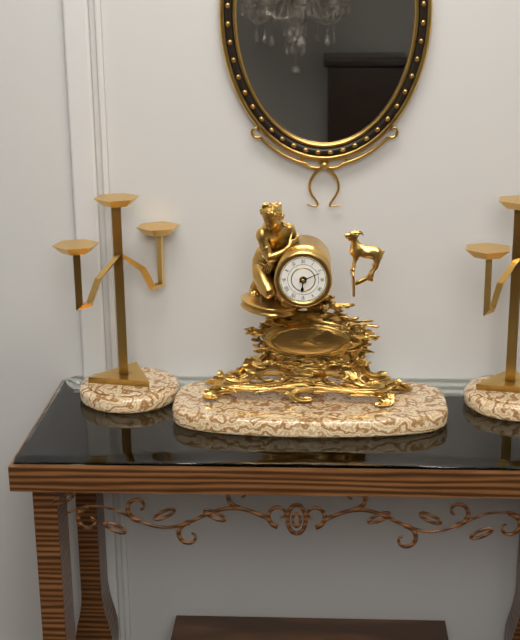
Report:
**6:11**
